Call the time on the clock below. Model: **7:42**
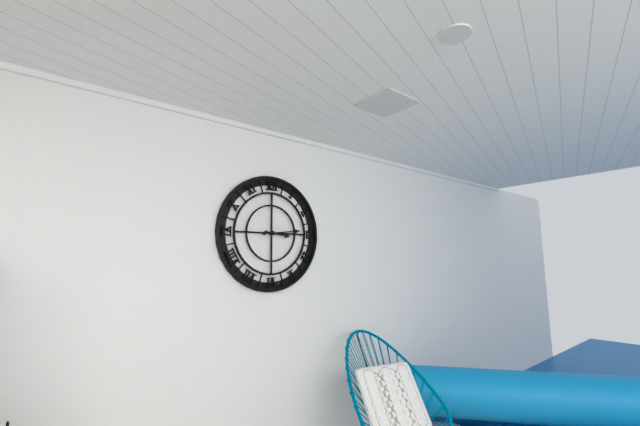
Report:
**3:14**
